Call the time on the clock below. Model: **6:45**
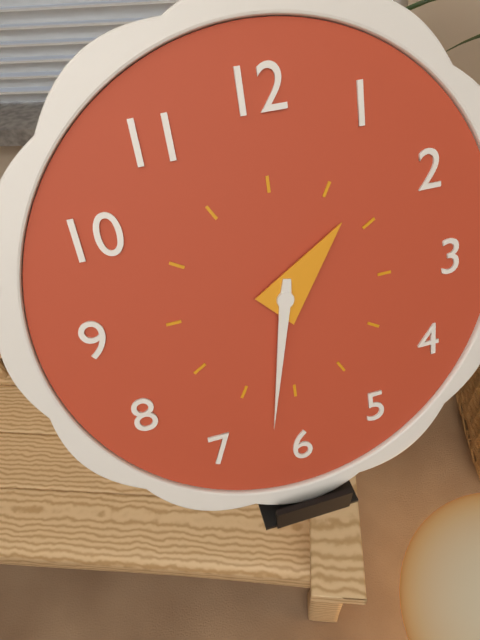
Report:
**1:32**
